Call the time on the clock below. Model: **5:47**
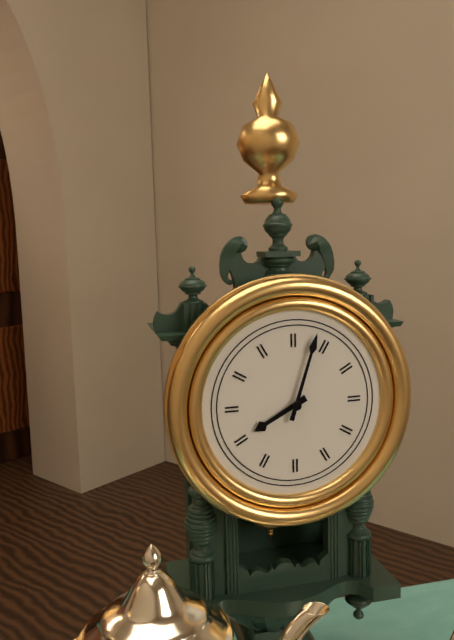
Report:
**8:03**
